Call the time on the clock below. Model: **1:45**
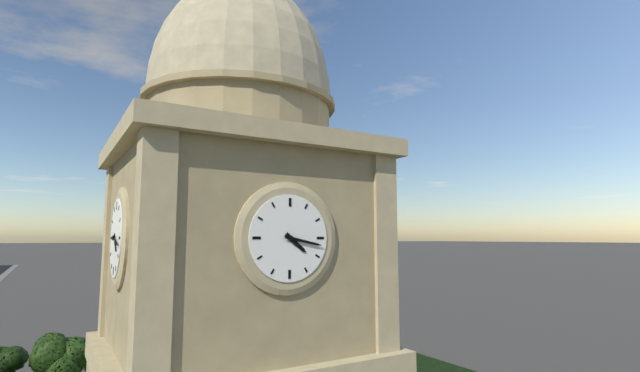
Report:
**4:17**
